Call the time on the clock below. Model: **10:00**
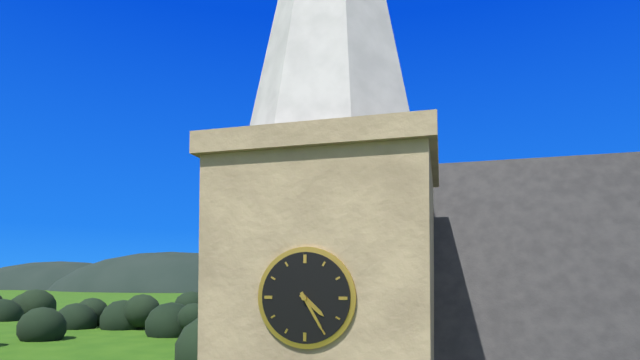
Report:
**4:25**
